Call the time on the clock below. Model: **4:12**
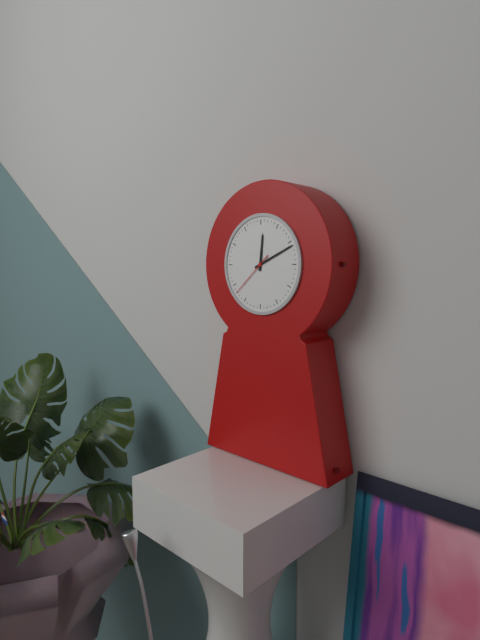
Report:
**12:11**
